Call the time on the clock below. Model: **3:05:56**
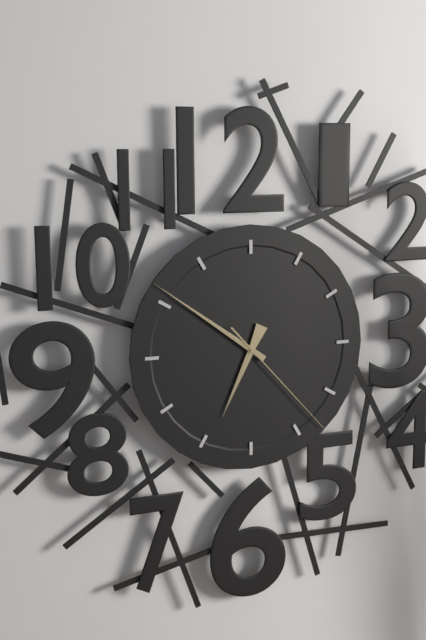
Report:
**6:51:23**
